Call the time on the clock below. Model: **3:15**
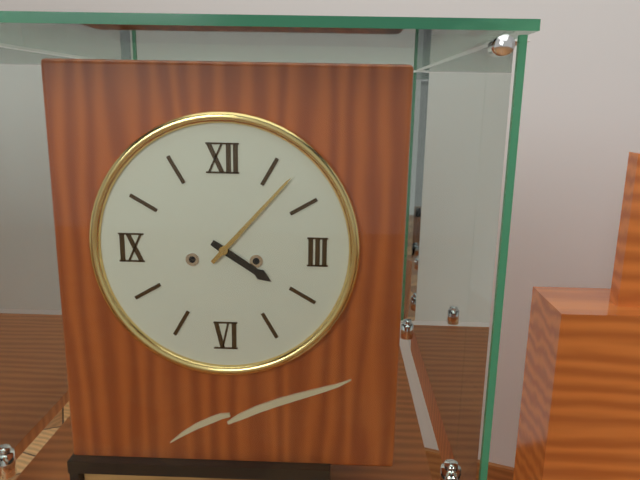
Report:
**4:07**
